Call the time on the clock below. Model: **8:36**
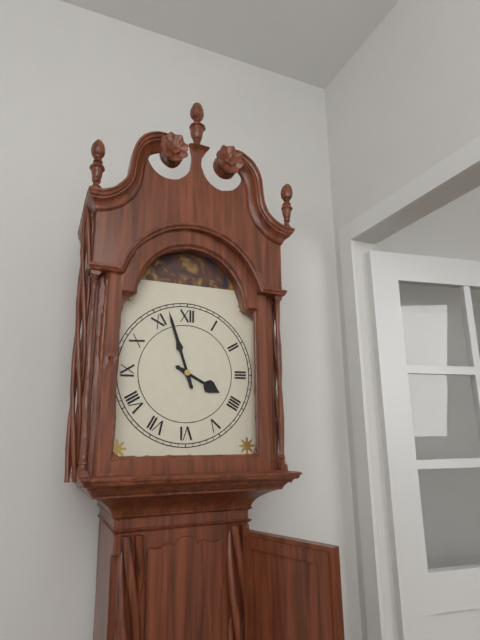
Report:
**3:57**
